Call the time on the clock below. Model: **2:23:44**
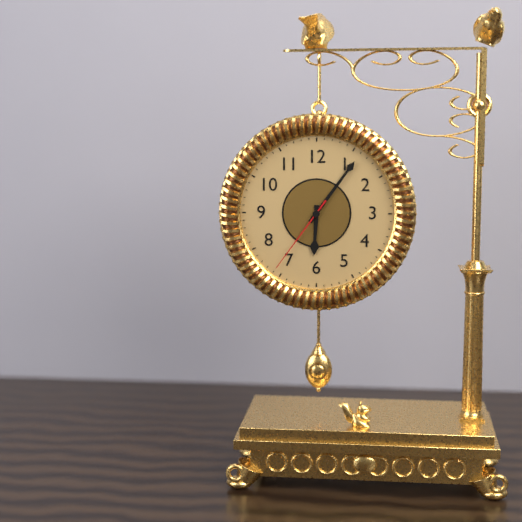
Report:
**6:06:36**
